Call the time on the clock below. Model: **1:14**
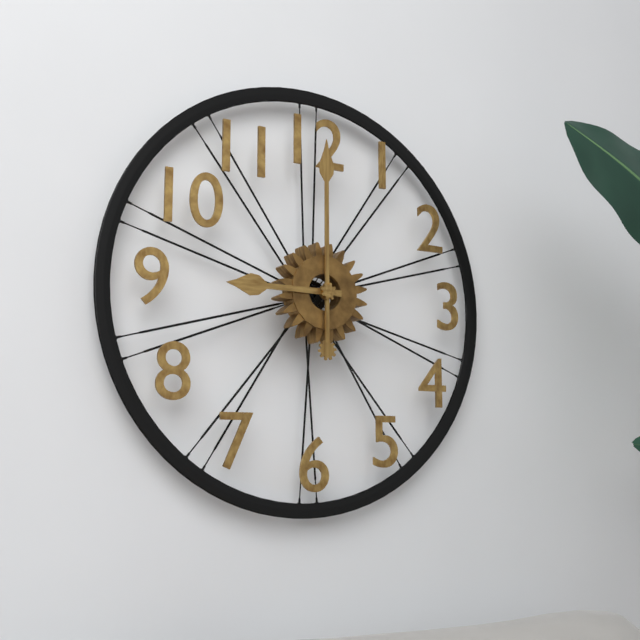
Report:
**9:00**
